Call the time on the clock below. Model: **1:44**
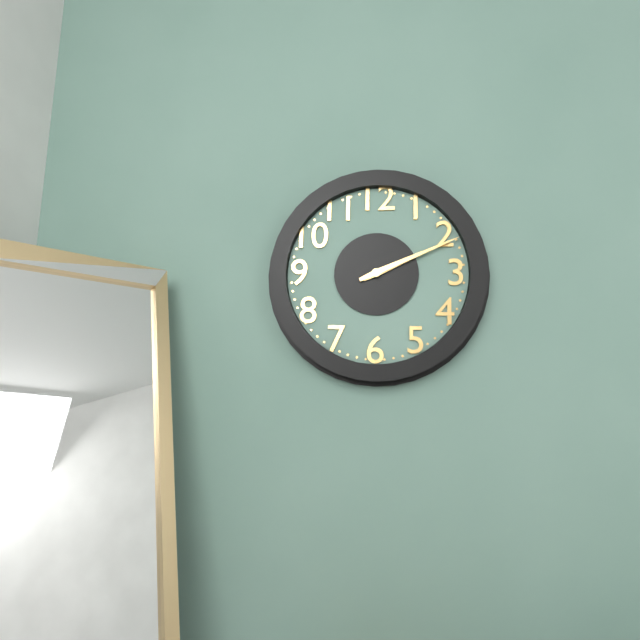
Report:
**2:11**
